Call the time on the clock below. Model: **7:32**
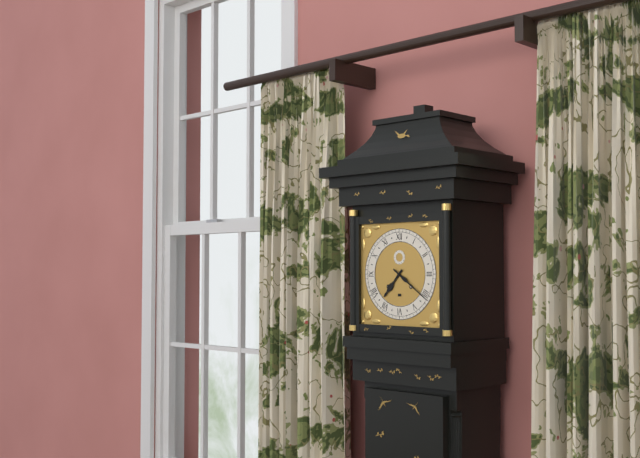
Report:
**7:21**
